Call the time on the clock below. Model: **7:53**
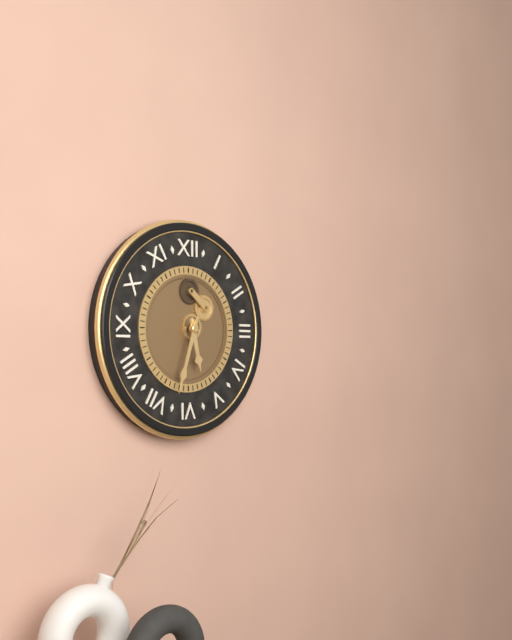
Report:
**5:33**
